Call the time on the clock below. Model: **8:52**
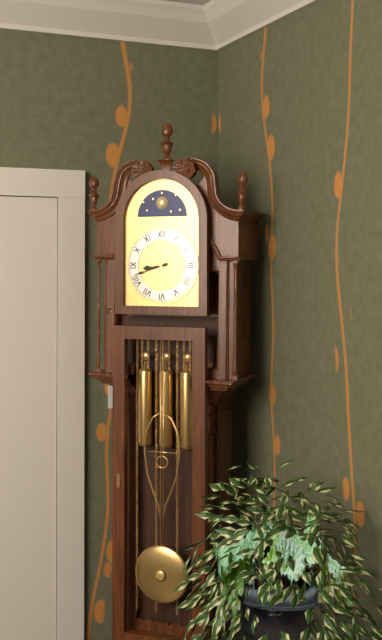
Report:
**8:42**
